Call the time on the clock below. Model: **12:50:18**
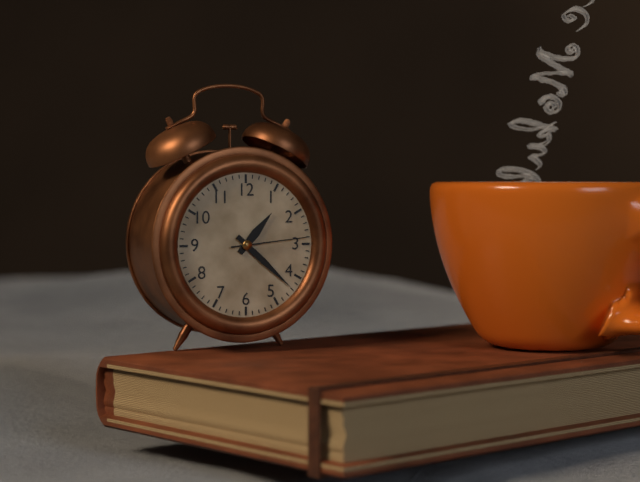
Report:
**1:22:14**
